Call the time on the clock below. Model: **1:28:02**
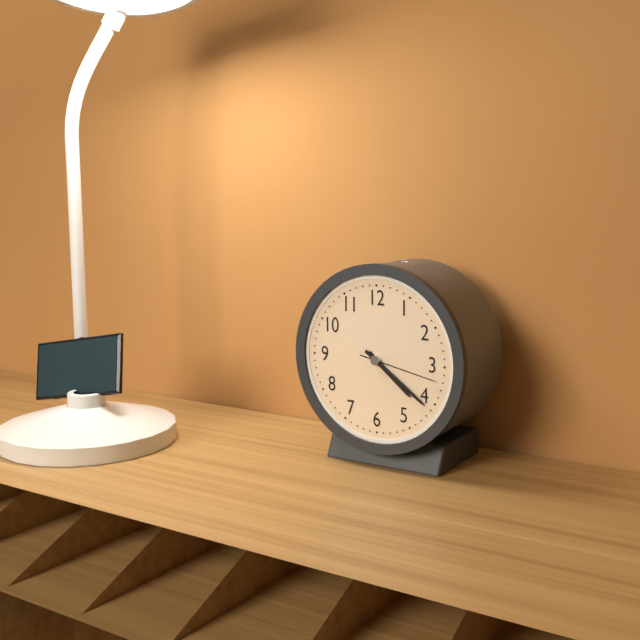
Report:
**4:21:17**
